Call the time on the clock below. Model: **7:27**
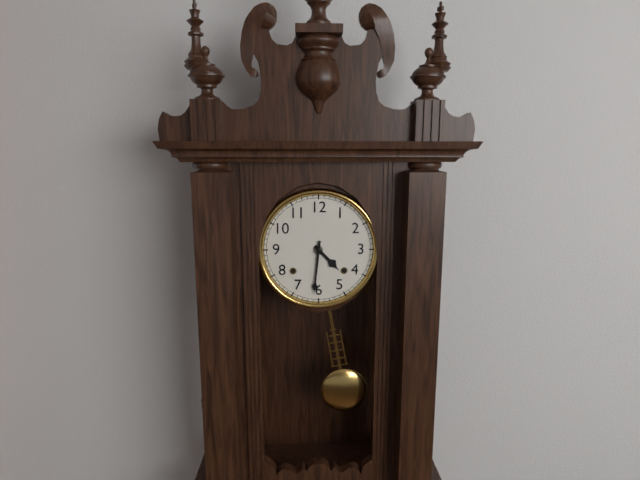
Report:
**4:31**
